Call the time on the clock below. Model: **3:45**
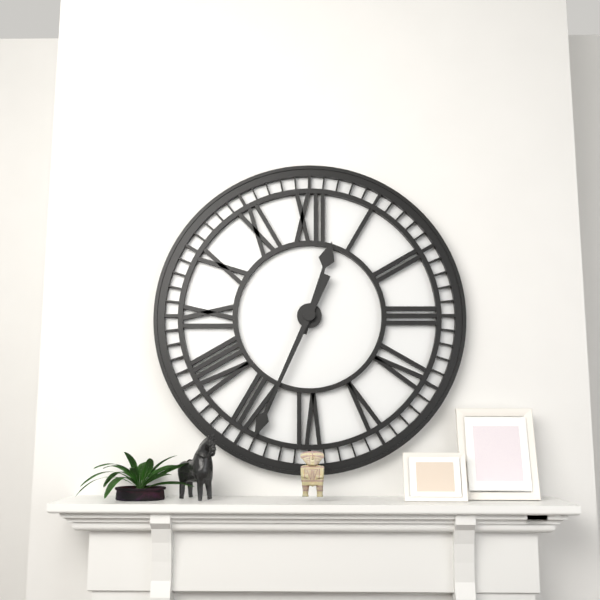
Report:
**12:34**
